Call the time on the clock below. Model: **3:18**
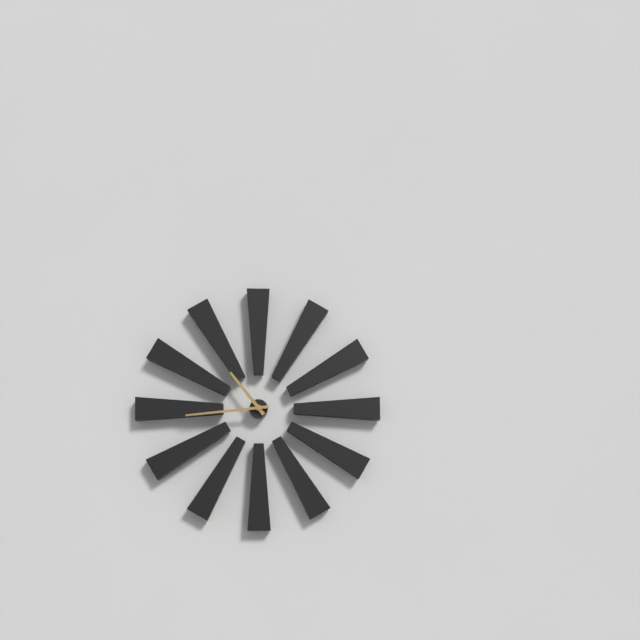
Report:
**10:44**
